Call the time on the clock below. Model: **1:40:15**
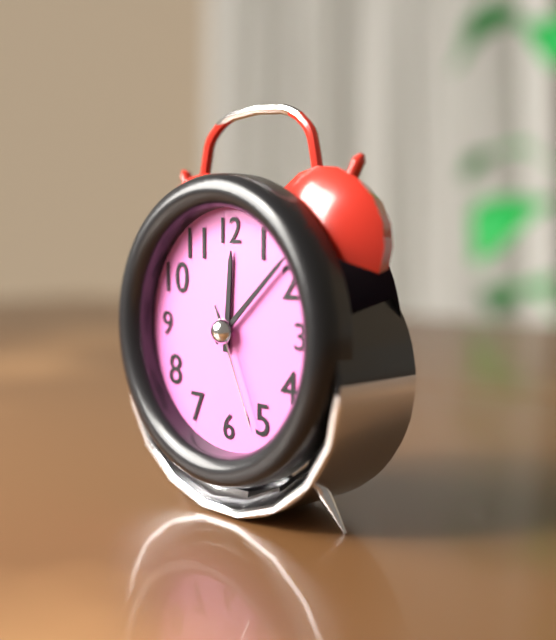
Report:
**12:08:26**
